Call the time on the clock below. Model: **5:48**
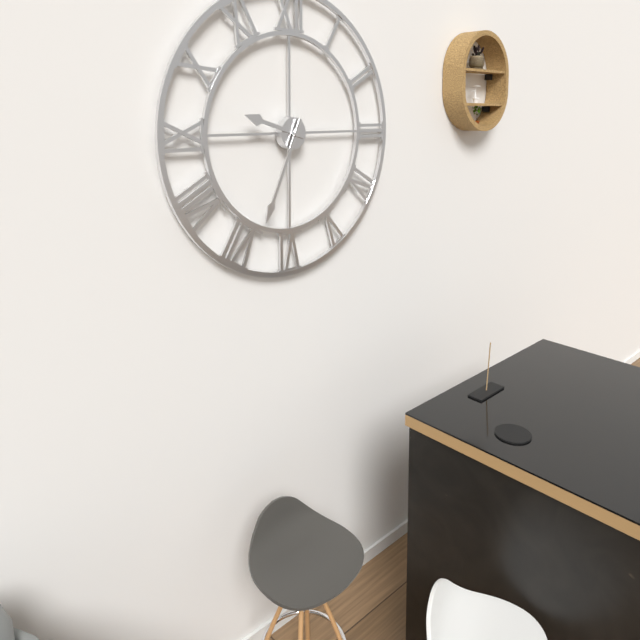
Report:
**9:34**
